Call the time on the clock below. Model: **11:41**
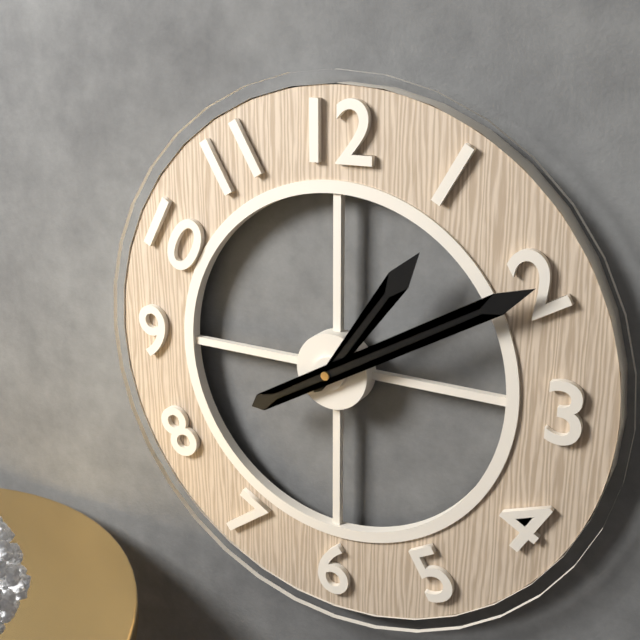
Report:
**1:10**
